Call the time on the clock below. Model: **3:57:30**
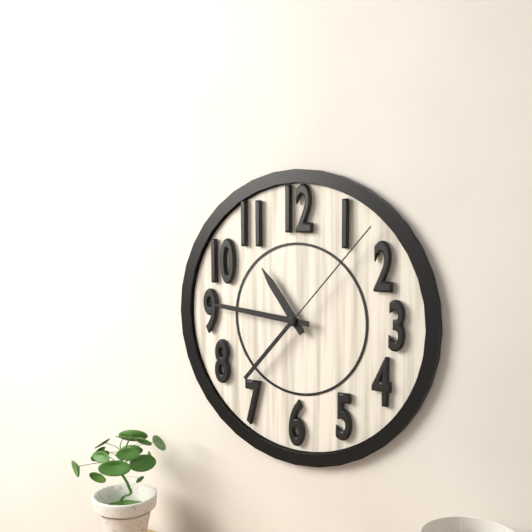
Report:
**10:46:07**
